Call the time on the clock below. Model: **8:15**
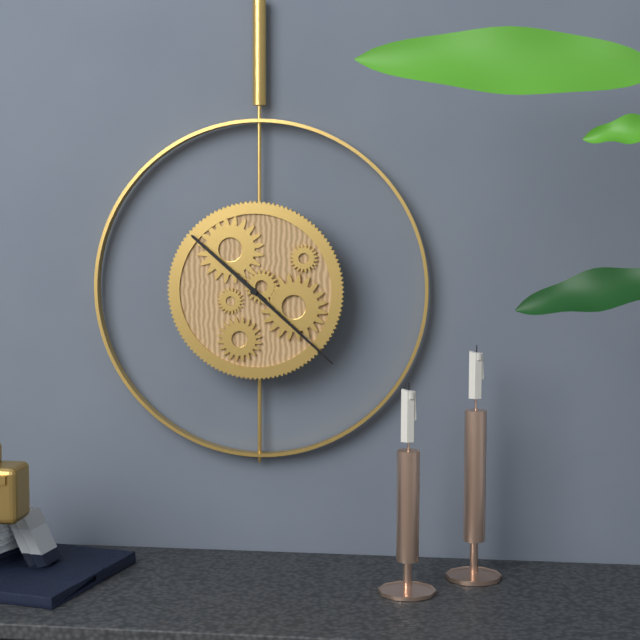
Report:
**10:22**
